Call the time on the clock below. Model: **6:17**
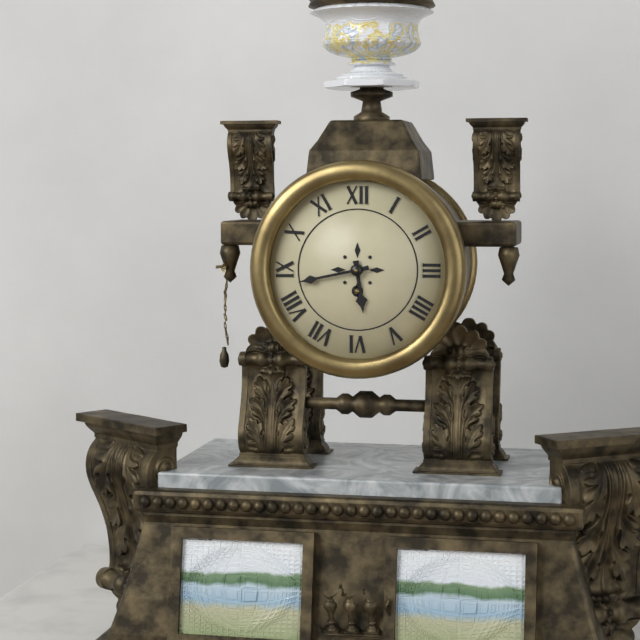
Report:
**5:43**
